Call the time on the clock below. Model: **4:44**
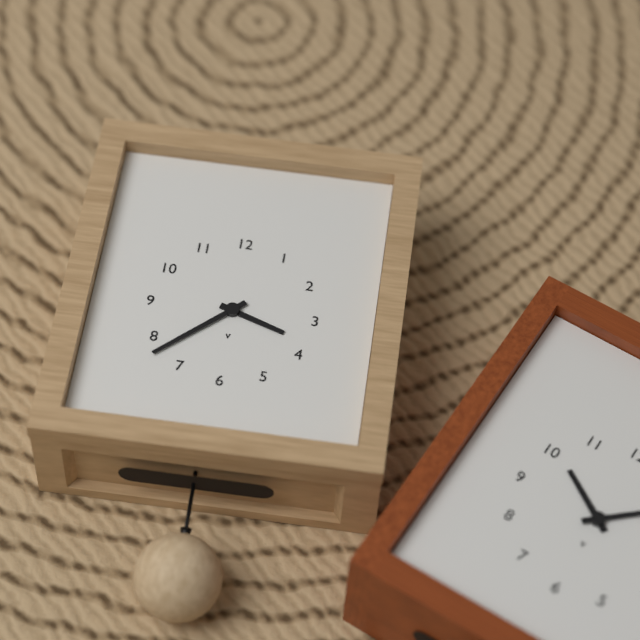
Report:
**3:38**
